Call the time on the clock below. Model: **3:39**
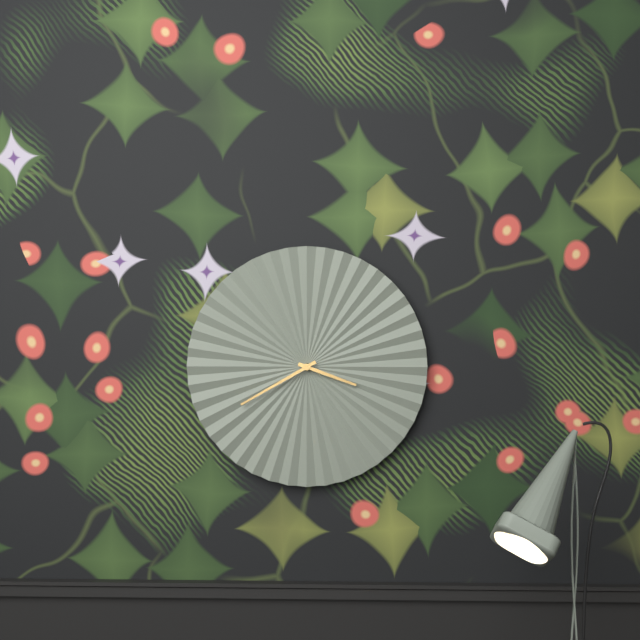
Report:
**3:40**
